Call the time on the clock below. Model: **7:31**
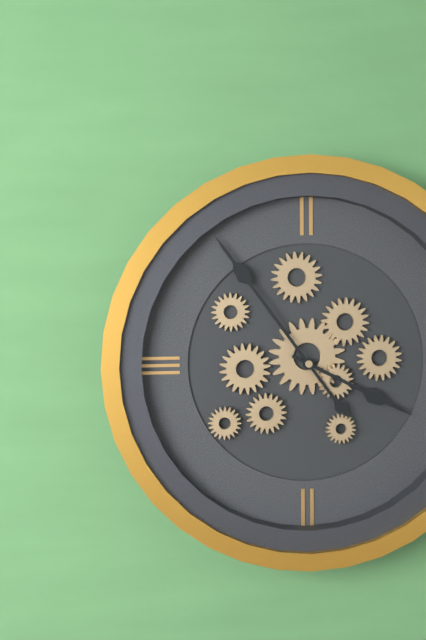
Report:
**3:54**
